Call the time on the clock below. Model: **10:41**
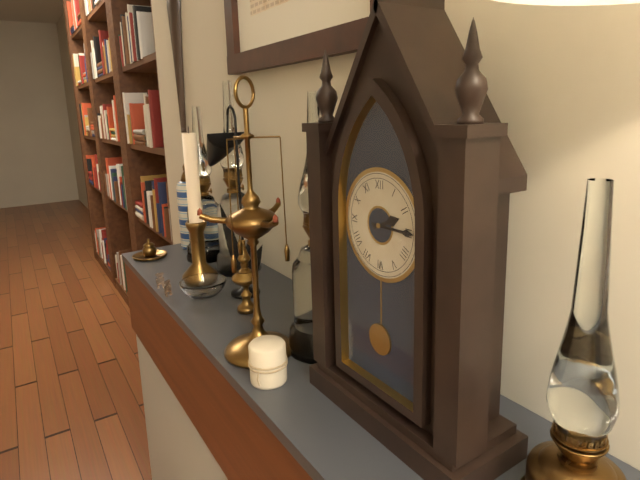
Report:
**2:15**
